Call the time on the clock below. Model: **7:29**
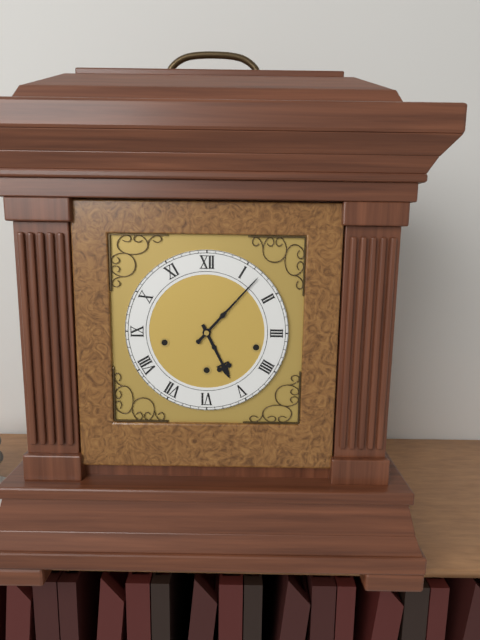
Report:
**5:07**
